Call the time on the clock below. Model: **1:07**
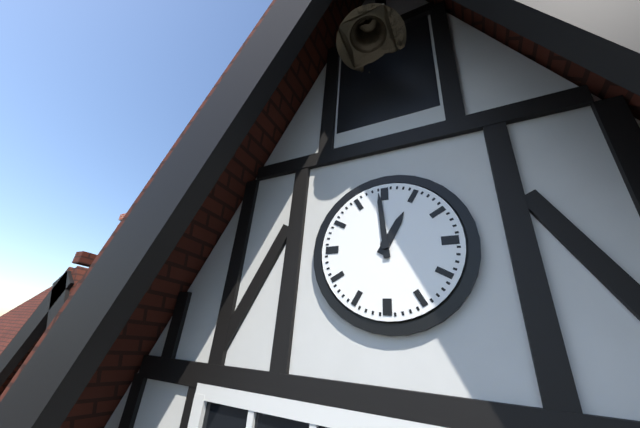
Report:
**12:59**
